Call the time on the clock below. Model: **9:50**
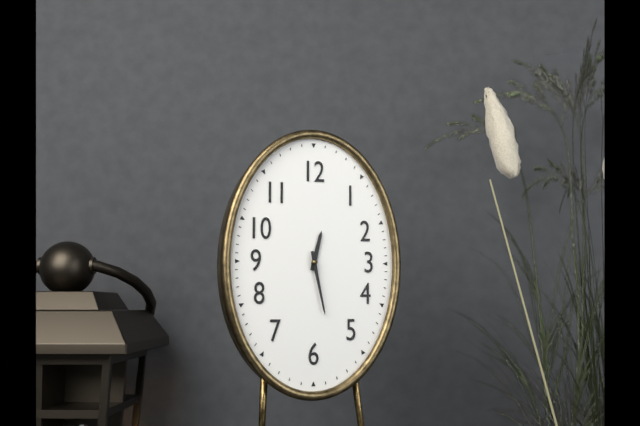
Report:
**12:28**
